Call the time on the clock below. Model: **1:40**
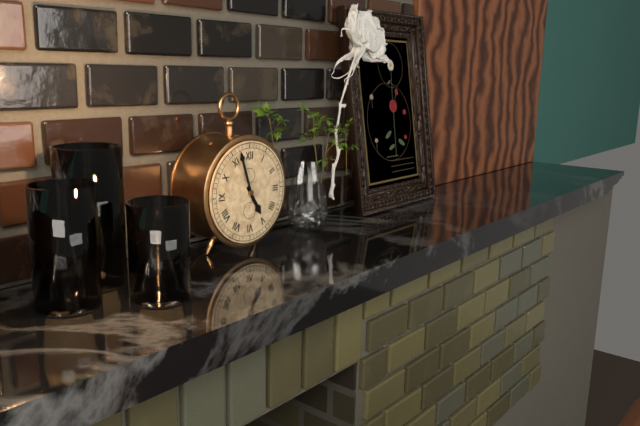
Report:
**4:57**
